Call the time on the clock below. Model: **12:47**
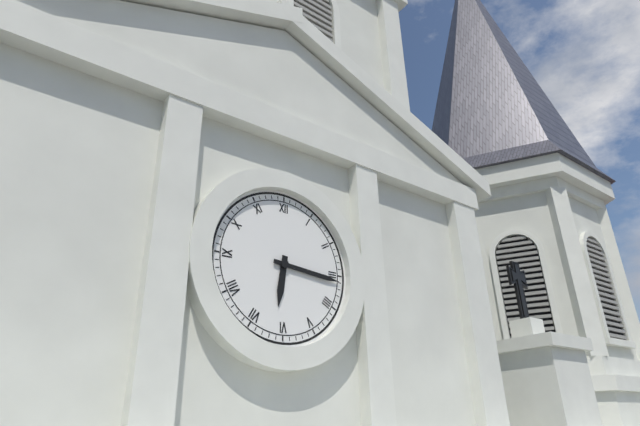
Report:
**6:16**
